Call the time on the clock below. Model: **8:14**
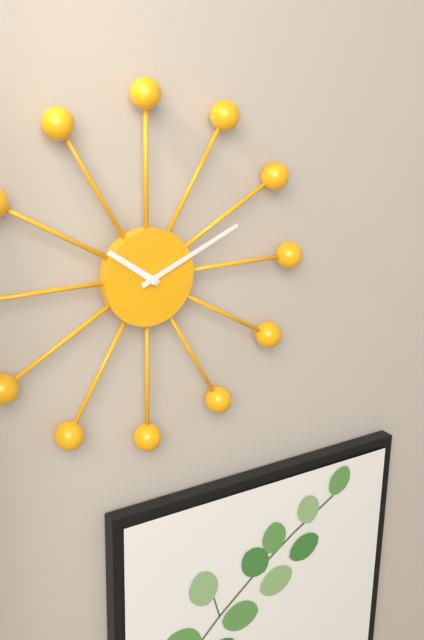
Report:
**10:11**
